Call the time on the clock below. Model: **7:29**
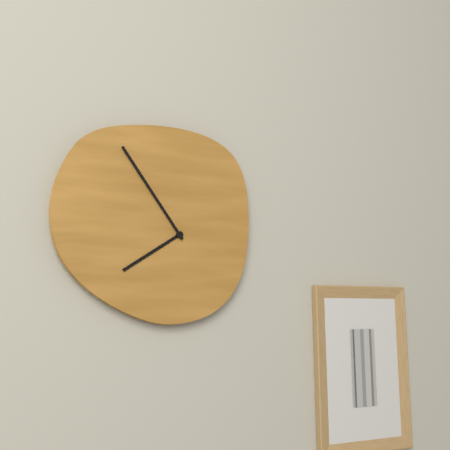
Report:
**7:54**
